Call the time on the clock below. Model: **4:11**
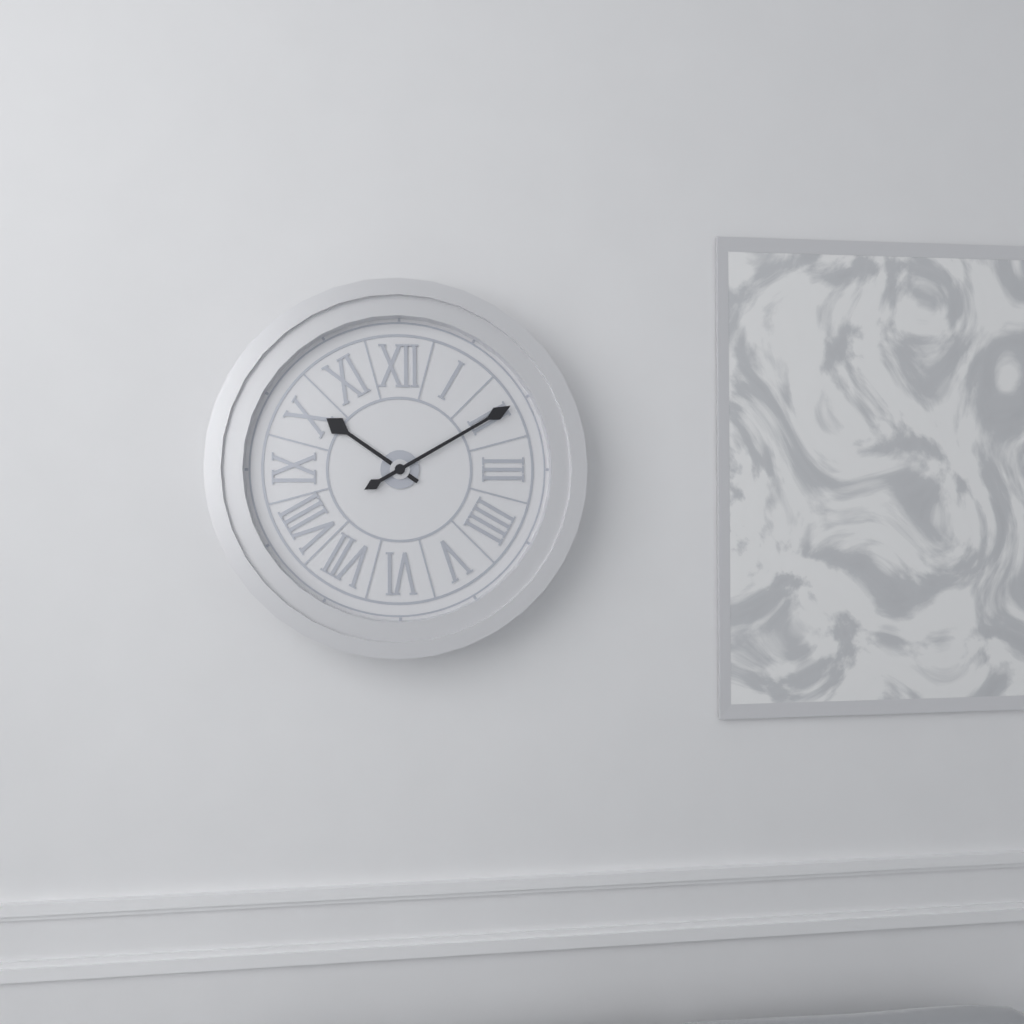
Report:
**10:10**
